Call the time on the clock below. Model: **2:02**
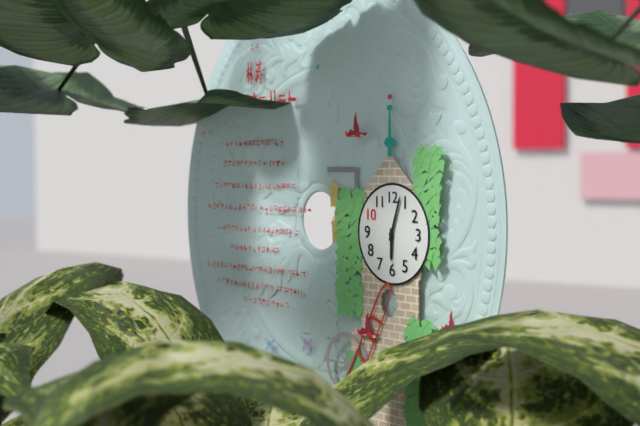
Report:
**6:03**
